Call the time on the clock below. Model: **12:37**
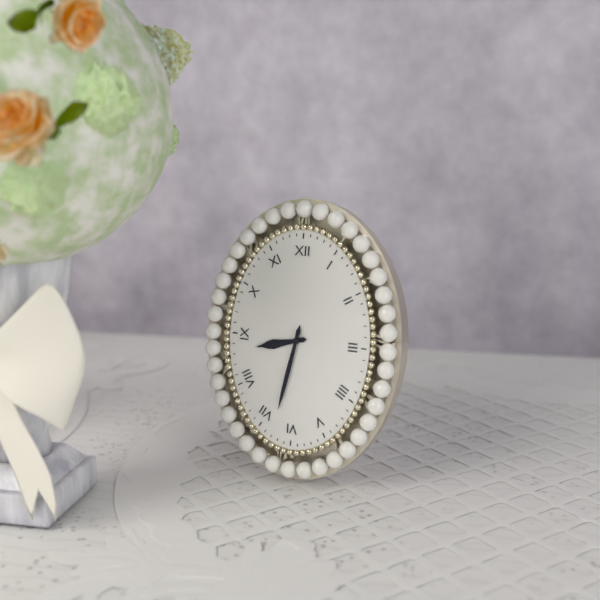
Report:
**8:32**
